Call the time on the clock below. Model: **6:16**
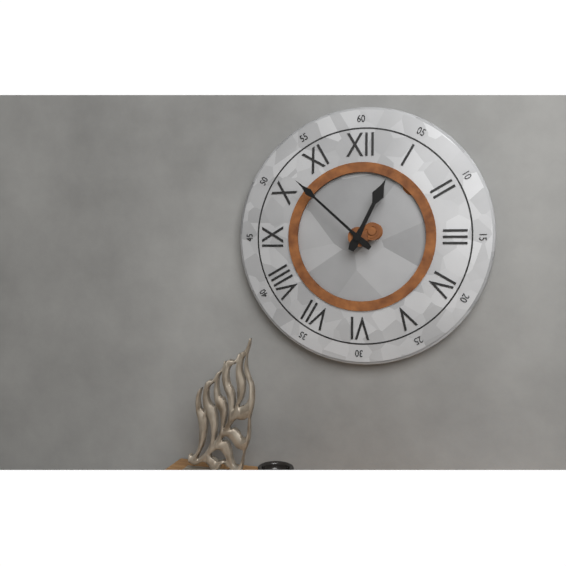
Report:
**12:52**
